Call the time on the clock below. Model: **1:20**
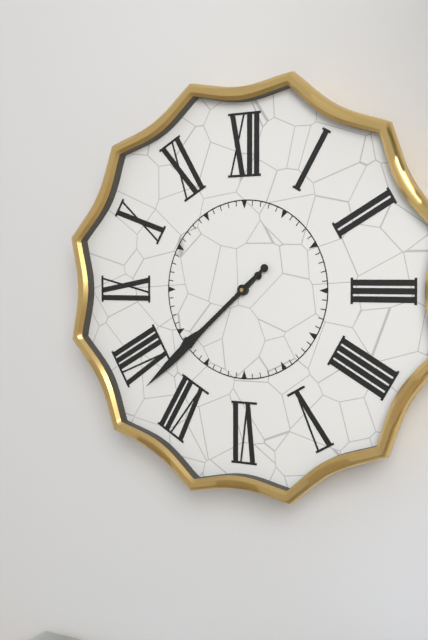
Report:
**7:38**
